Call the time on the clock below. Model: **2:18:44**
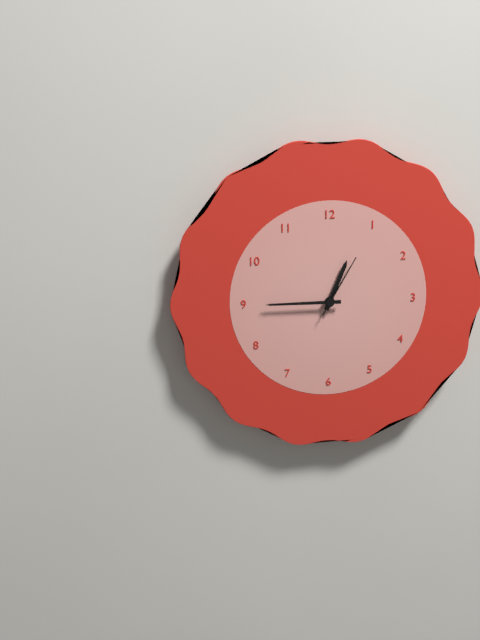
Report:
**12:45:05**
